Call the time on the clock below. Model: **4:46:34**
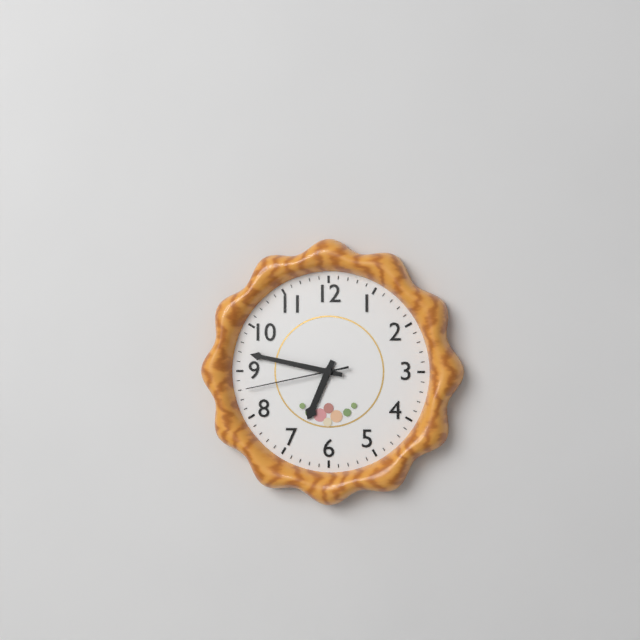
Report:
**6:47:43**
